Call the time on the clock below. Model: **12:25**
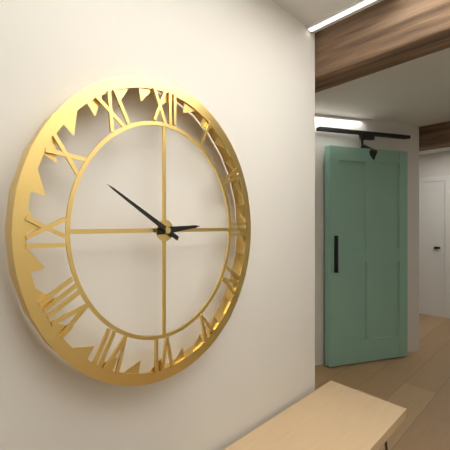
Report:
**2:50**
